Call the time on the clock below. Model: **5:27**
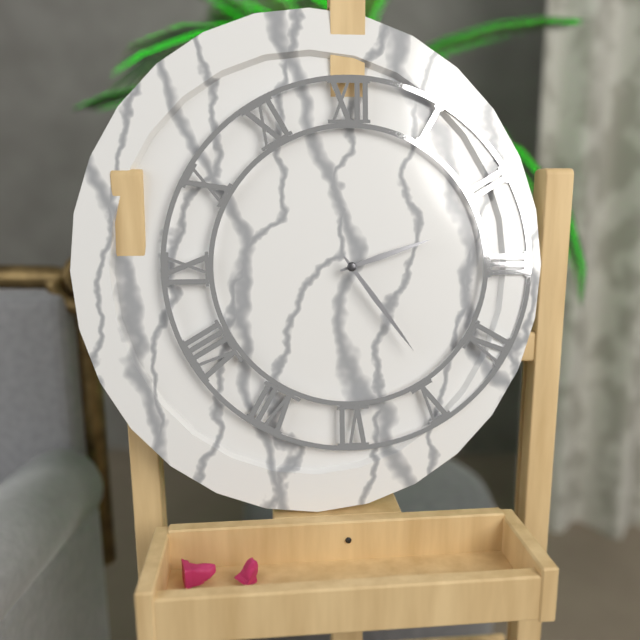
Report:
**2:24**
